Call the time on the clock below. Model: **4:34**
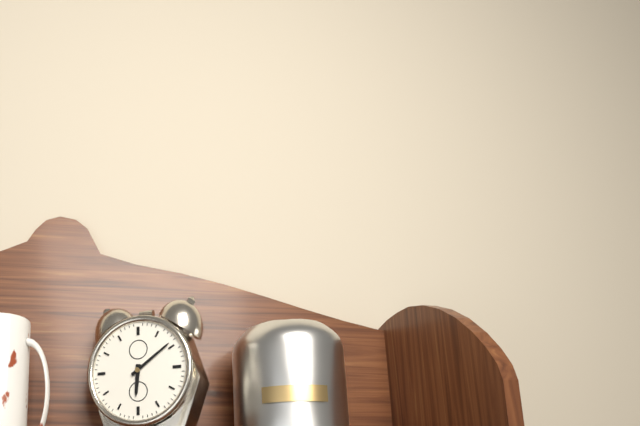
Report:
**6:09**
